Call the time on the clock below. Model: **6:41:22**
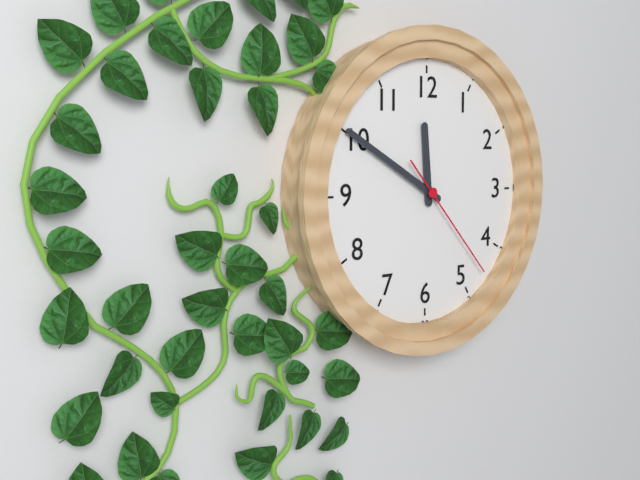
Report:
**11:50:23**
